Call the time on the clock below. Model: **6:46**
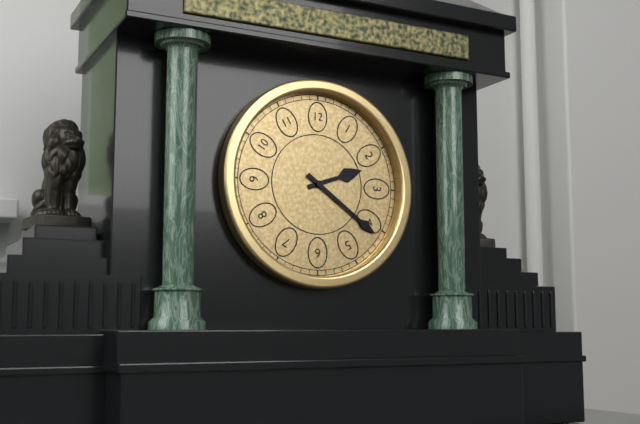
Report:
**2:21**
